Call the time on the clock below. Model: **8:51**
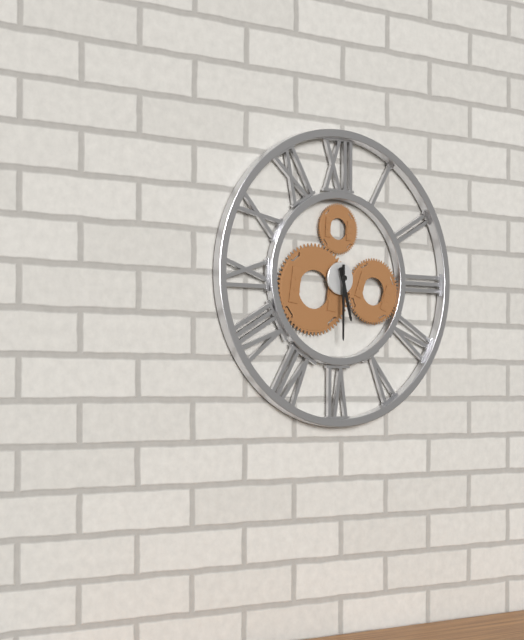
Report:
**5:30**
